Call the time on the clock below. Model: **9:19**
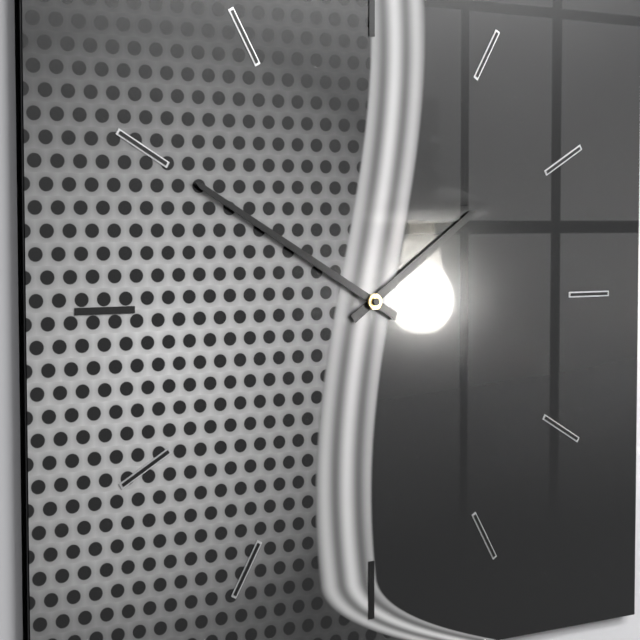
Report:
**1:50**
